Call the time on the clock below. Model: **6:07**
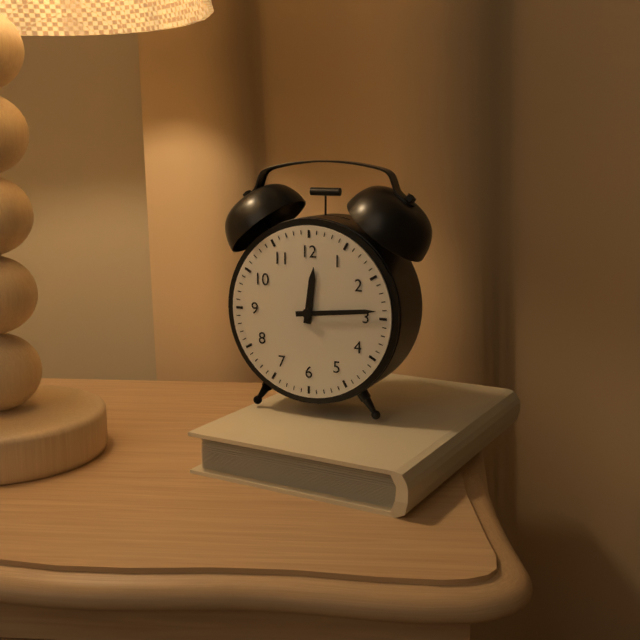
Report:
**12:14**
